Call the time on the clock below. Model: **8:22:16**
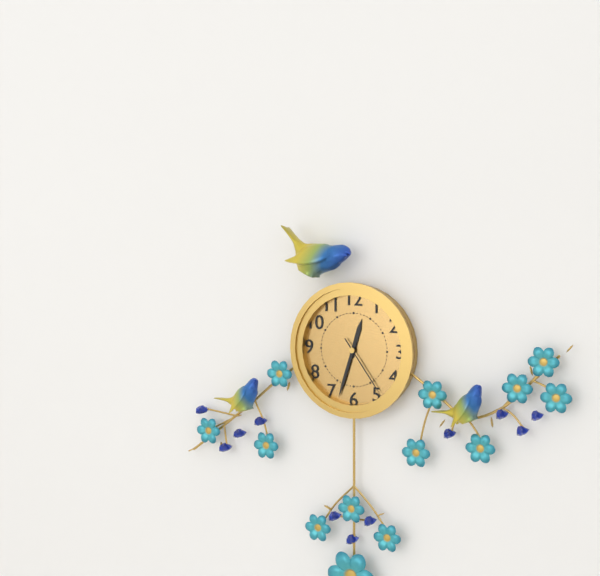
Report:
**12:33:24**
